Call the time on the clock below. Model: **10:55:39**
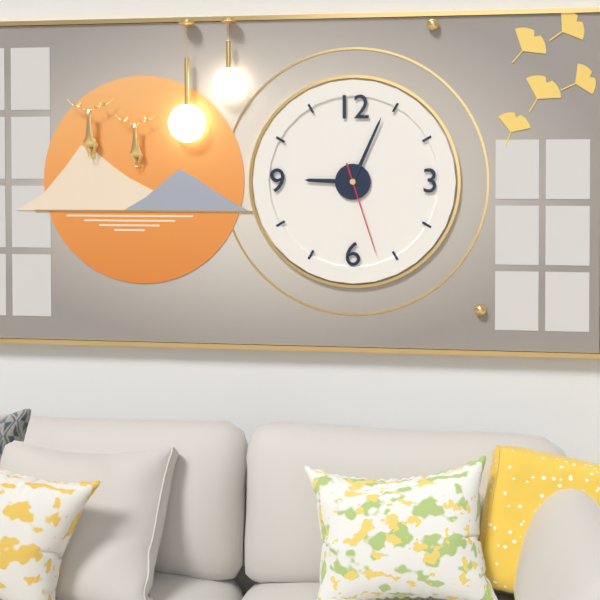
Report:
**9:04:27**
